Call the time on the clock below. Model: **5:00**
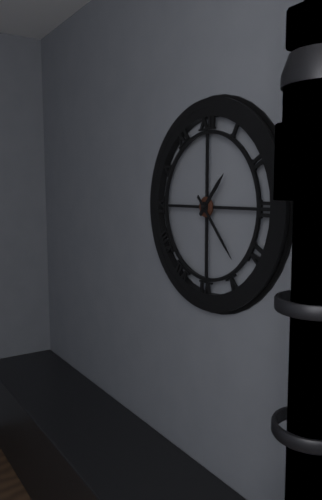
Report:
**1:23**
